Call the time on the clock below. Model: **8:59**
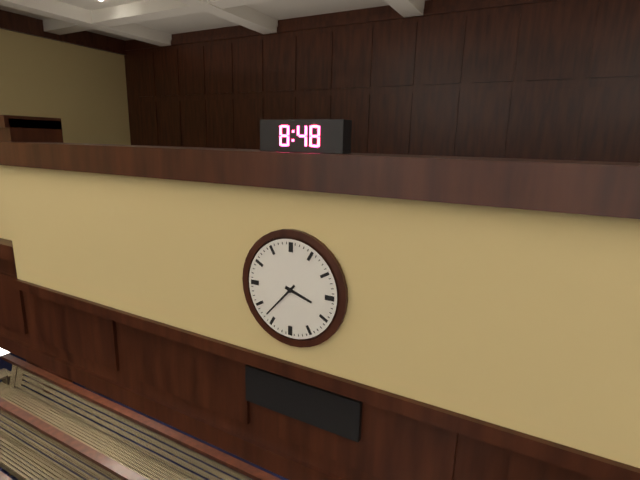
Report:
**3:37**
